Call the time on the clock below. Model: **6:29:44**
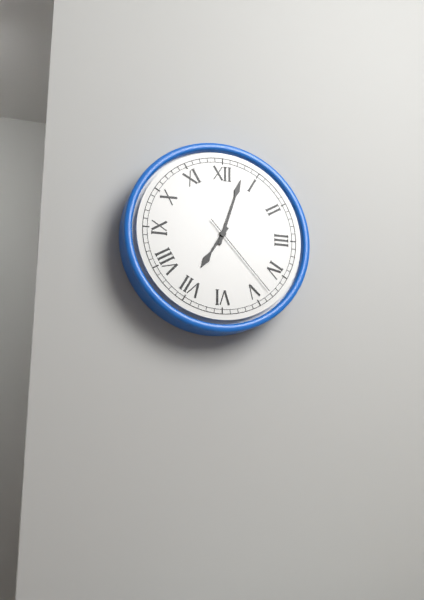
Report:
**7:03:23**
